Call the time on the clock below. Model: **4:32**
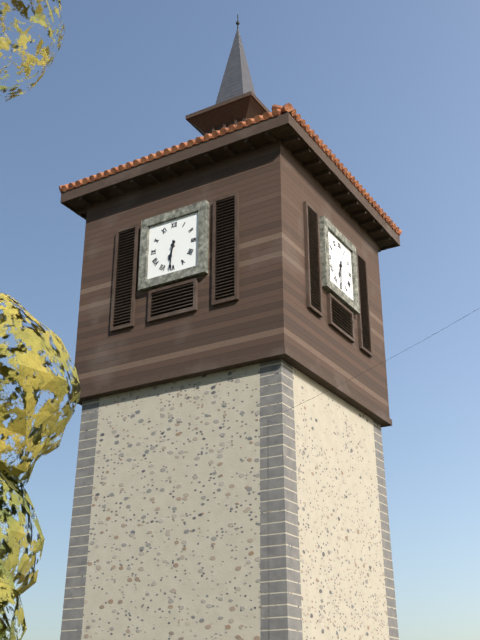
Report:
**6:31**
